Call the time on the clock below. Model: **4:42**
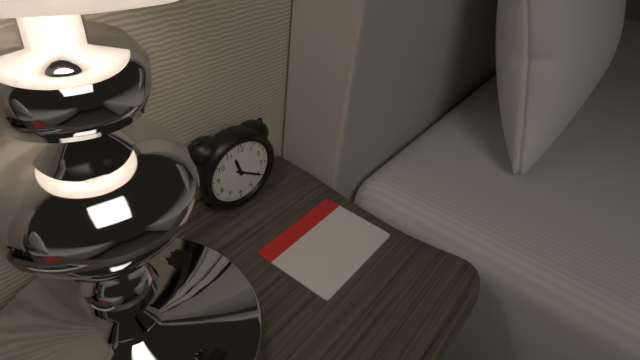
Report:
**11:20**
